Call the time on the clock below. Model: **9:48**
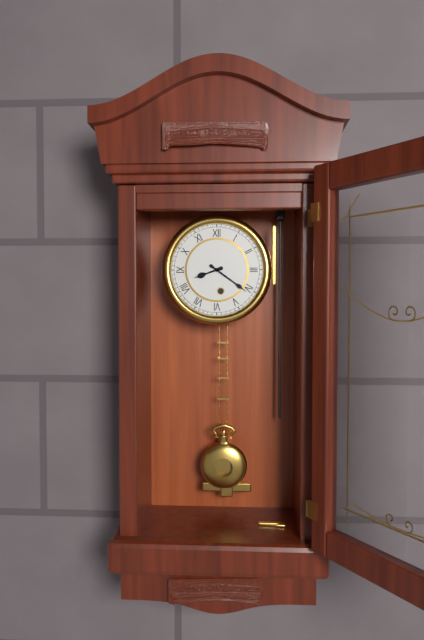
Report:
**8:21**
